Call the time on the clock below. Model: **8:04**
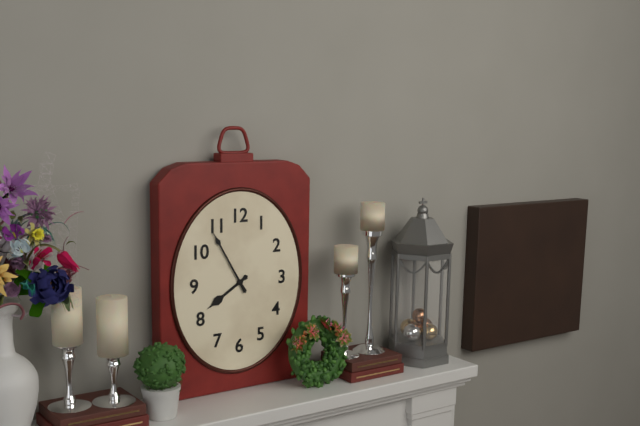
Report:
**7:55**
